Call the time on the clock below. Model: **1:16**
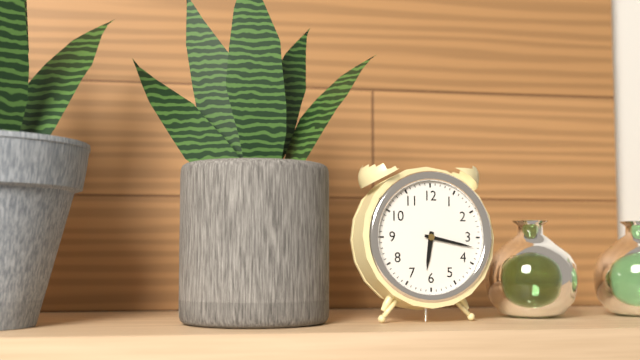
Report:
**6:17**
